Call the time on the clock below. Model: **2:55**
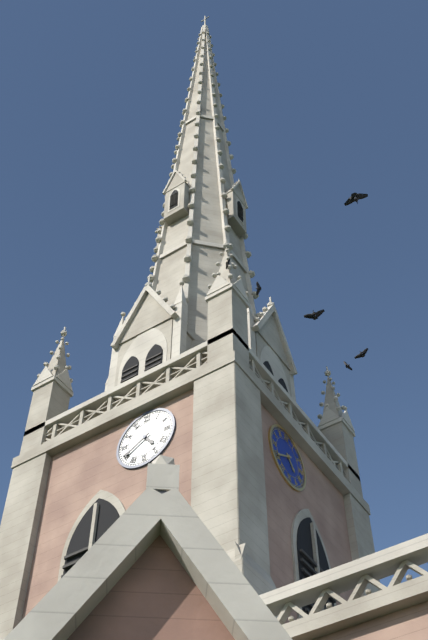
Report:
**4:40**
